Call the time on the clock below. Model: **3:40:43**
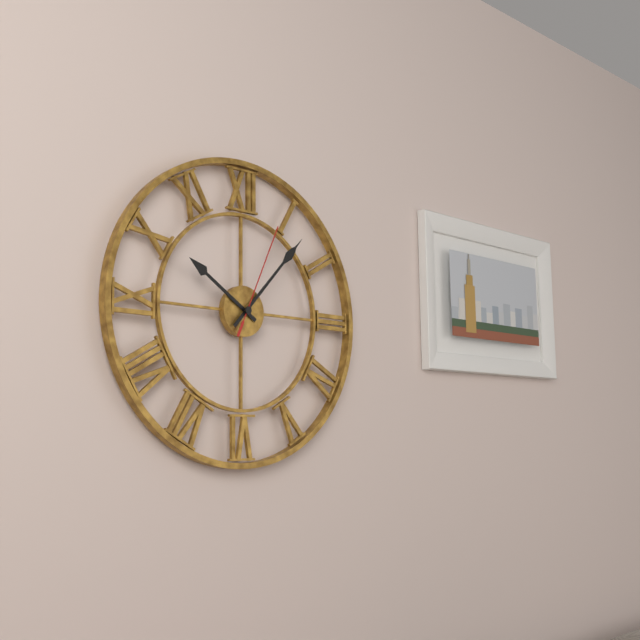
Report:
**10:07:04**
